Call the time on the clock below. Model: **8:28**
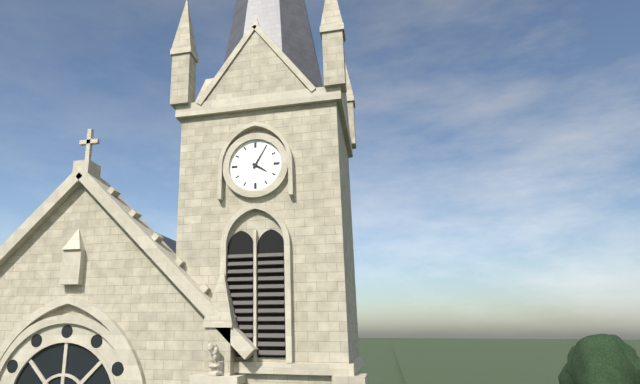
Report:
**4:05**
